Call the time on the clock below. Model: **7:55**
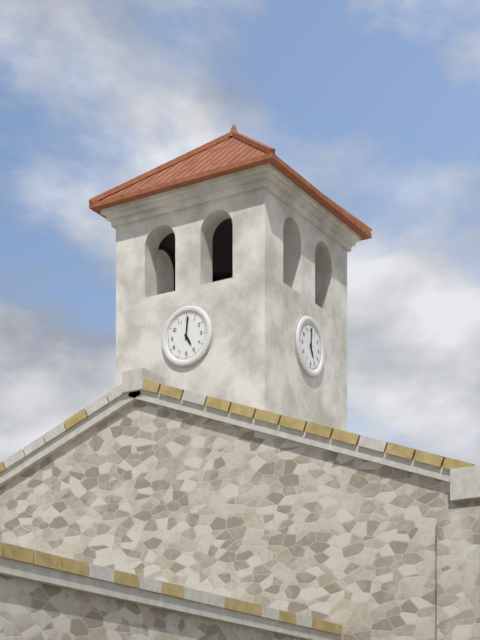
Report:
**5:01**
